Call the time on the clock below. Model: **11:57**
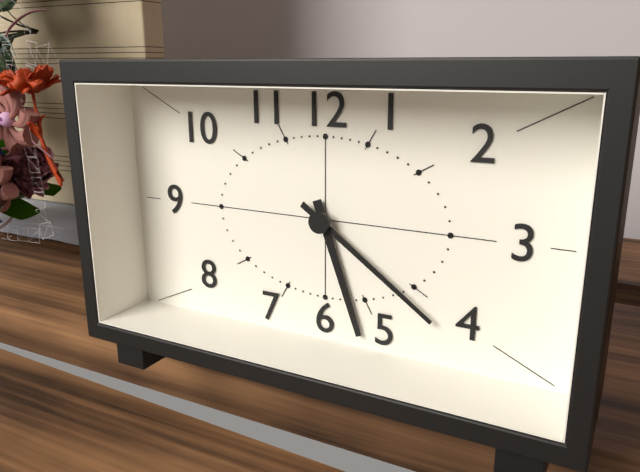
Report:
**5:21**
